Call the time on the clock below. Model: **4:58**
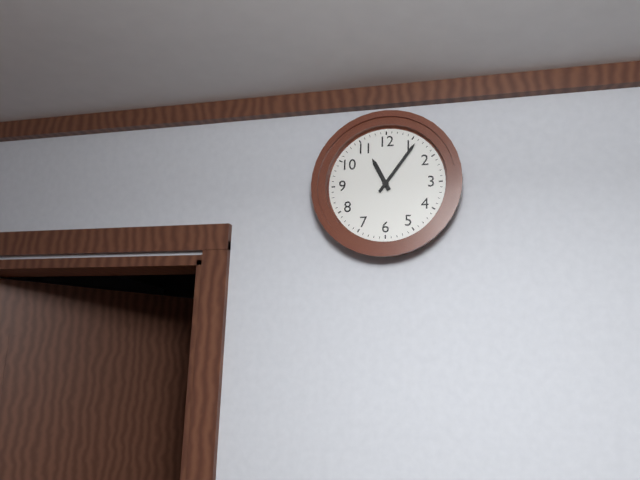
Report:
**11:06**
